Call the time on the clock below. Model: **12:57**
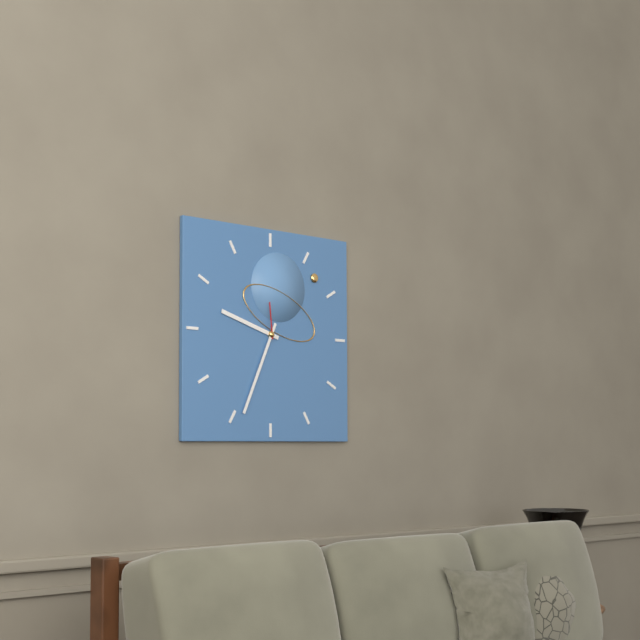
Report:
**9:34**
